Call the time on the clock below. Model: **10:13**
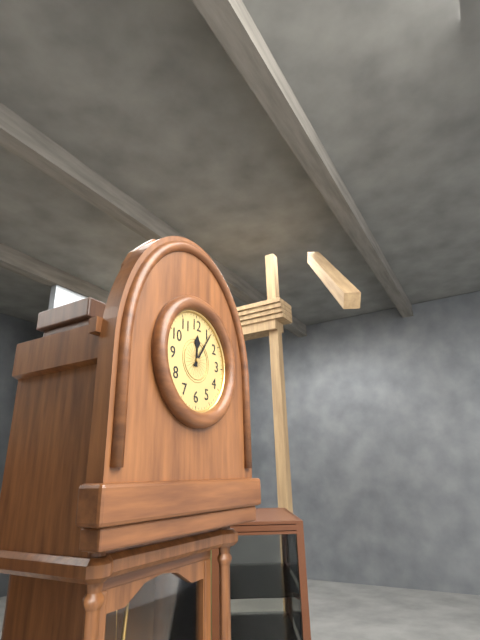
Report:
**12:06**
